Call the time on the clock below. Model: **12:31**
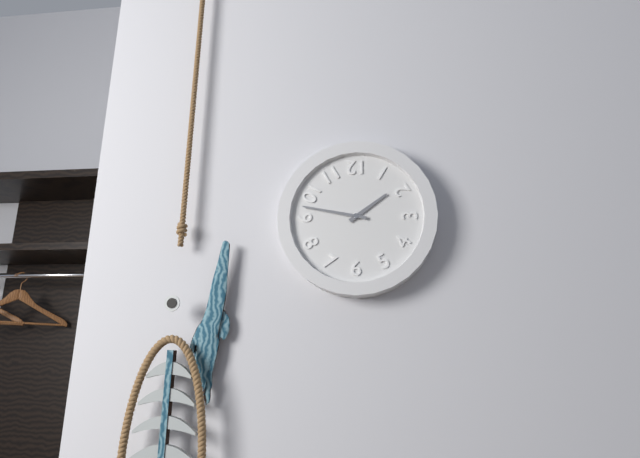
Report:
**1:47**
